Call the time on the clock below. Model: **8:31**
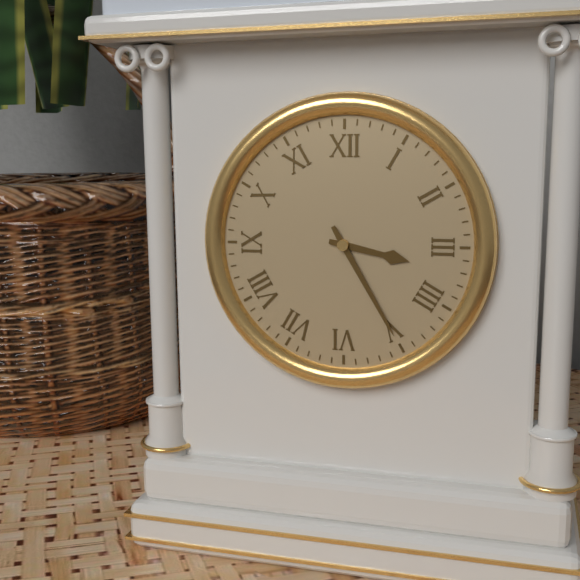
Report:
**3:25**
